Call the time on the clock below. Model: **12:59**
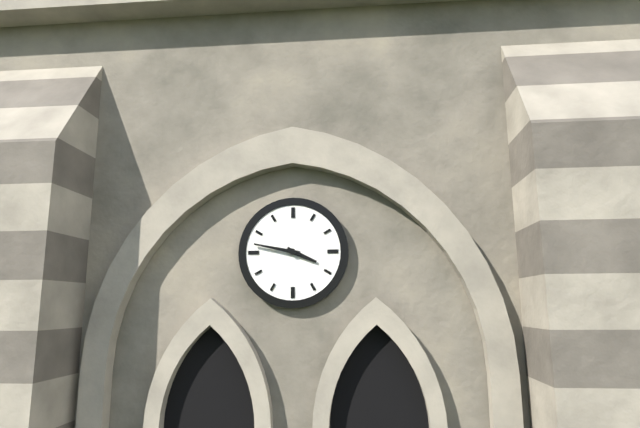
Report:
**3:47**
